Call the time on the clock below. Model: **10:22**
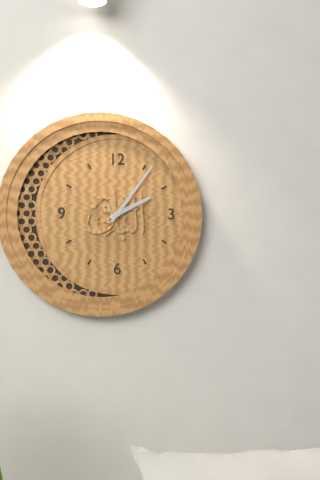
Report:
**2:06**
